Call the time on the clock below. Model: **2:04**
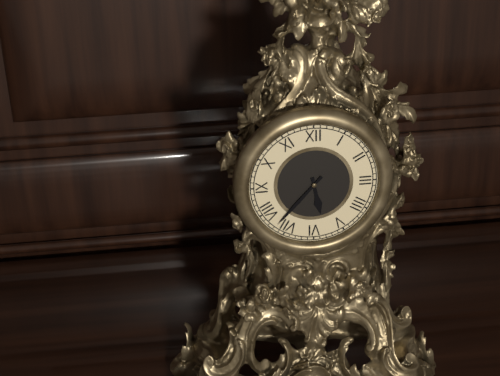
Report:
**5:37**
